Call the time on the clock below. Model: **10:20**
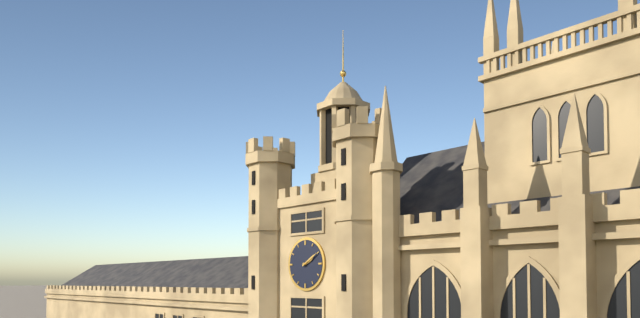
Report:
**2:10**
